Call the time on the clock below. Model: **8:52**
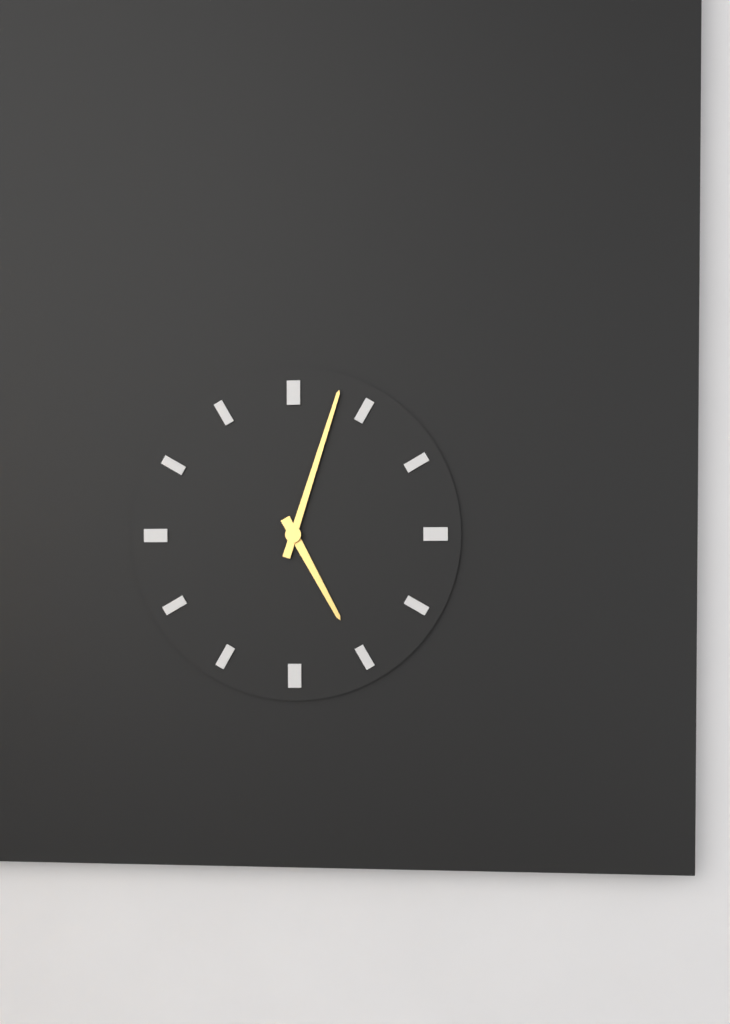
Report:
**5:03**
